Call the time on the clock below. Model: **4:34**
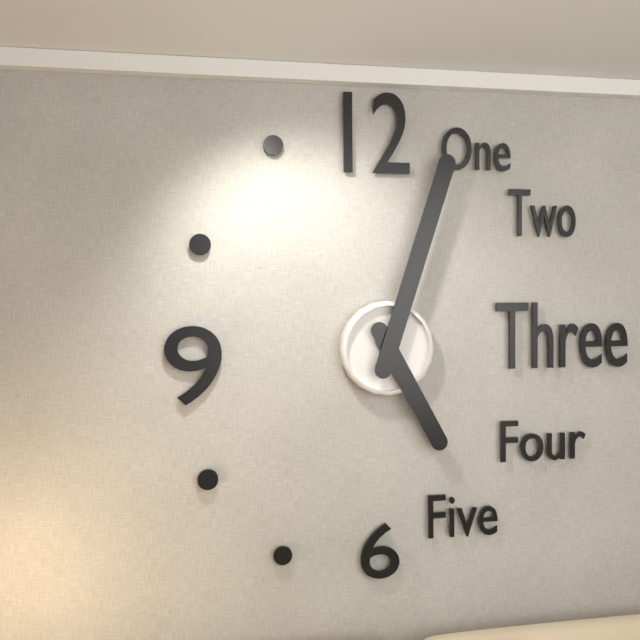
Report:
**5:03**
